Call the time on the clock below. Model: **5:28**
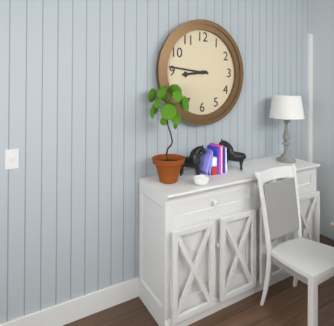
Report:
**8:46**
